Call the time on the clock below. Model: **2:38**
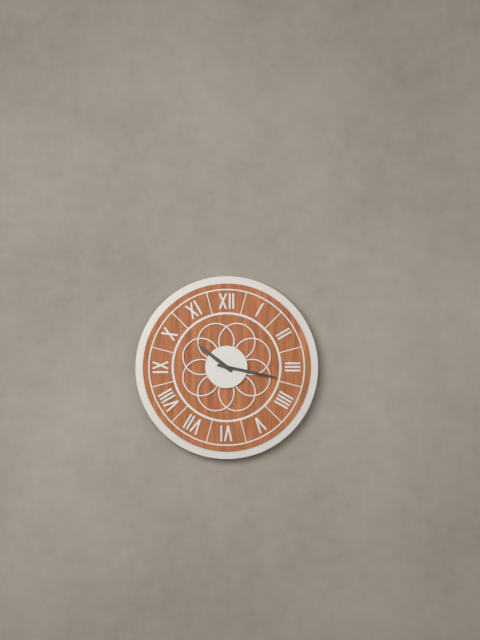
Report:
**10:17**
